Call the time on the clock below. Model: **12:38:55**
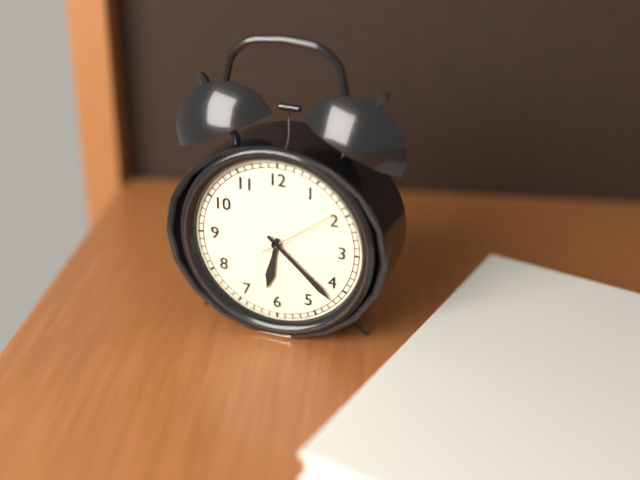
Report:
**6:22:09**
